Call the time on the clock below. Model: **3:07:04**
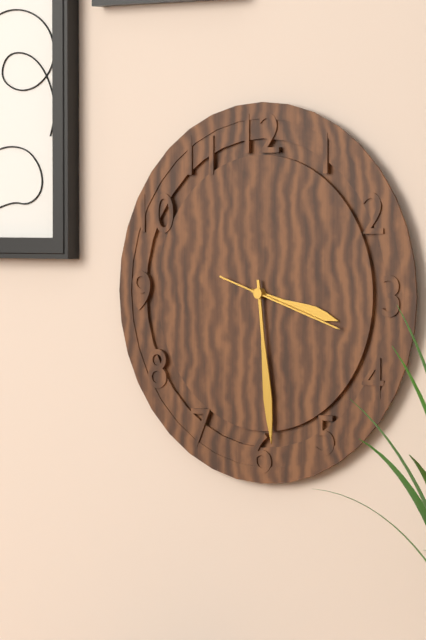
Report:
**3:29:18**
